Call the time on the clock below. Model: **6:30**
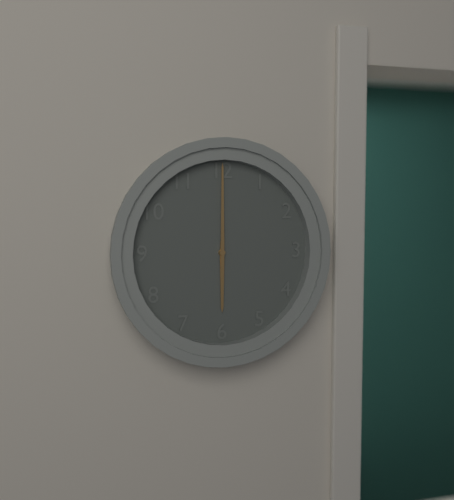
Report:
**6:00**
